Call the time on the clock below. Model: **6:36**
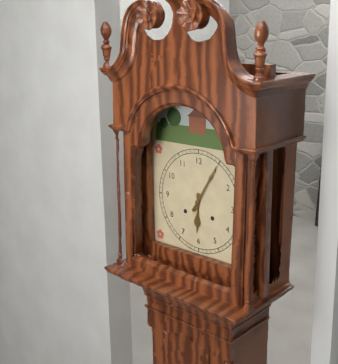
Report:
**6:05**
